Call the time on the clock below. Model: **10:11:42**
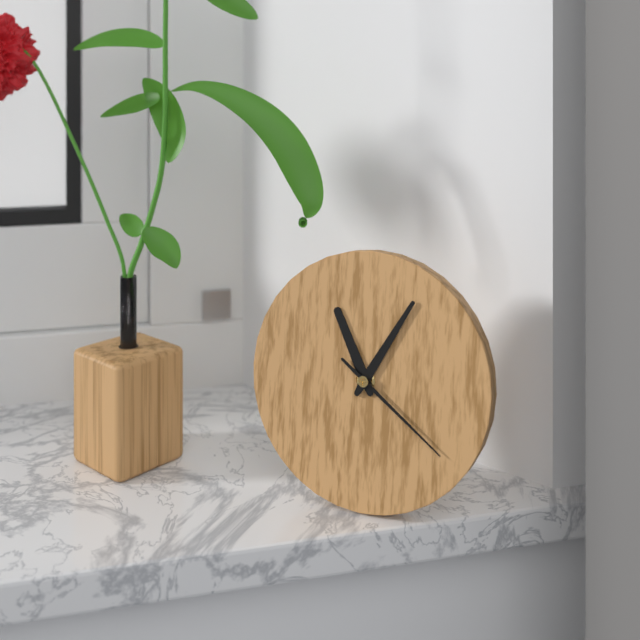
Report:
**11:05:21**
